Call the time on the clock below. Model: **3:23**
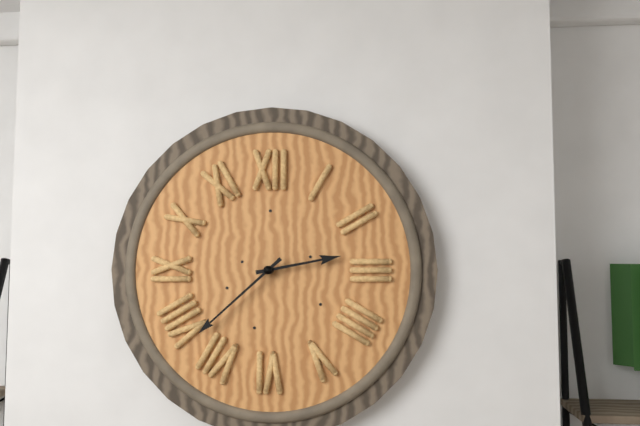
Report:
**2:38**
